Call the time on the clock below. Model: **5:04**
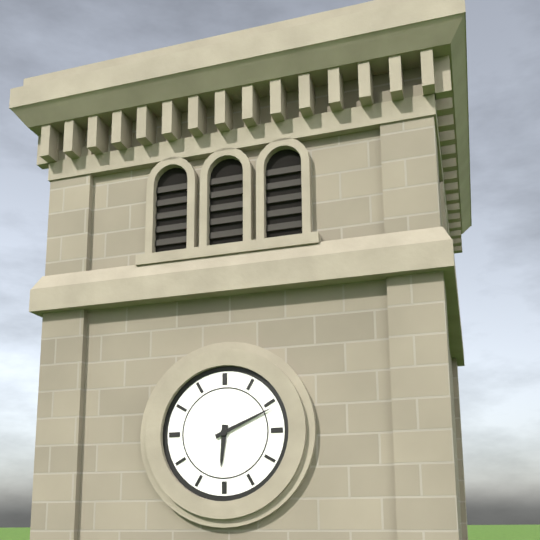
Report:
**6:11**
